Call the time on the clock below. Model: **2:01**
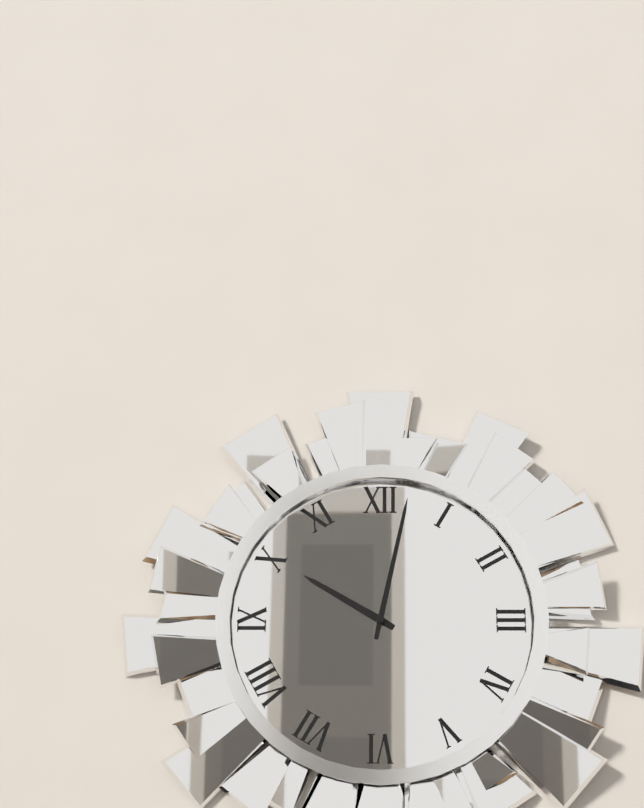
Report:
**10:02**
